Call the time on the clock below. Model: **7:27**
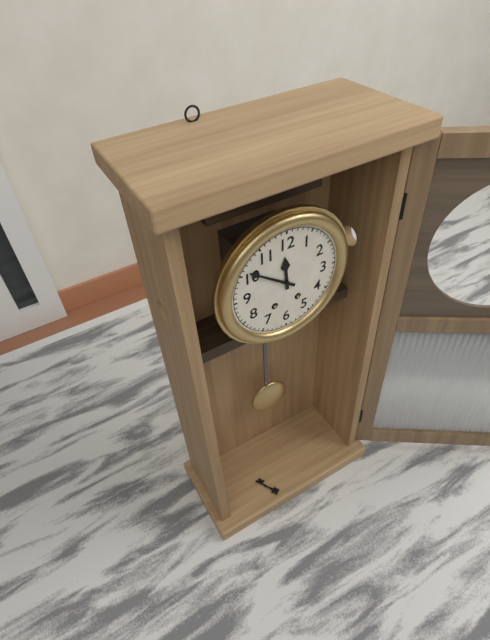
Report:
**11:51**
